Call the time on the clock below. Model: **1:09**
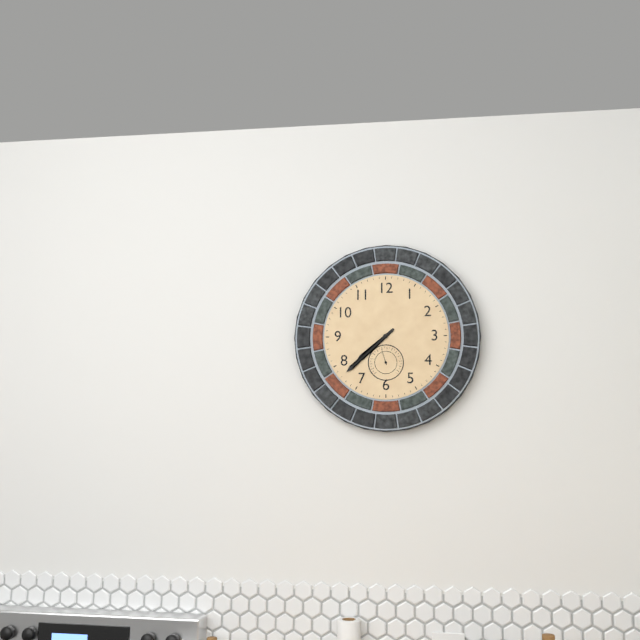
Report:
**7:38**
